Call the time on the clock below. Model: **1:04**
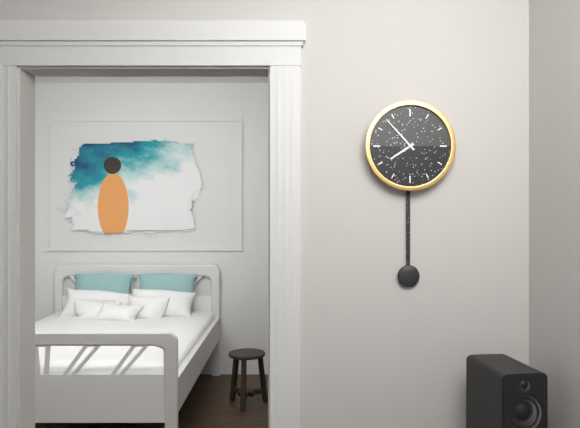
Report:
**7:53**
